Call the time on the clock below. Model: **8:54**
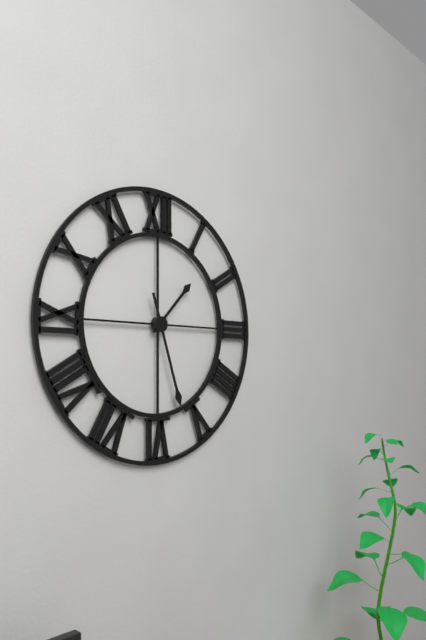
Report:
**1:27**
